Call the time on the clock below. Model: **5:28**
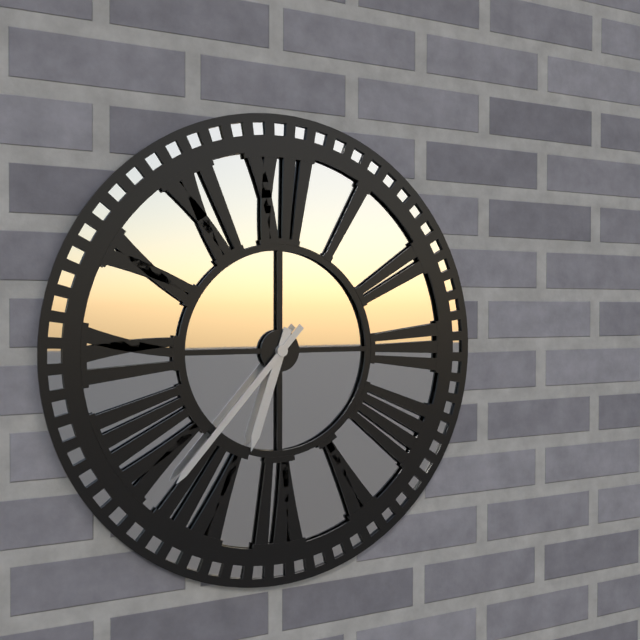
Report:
**6:37**
